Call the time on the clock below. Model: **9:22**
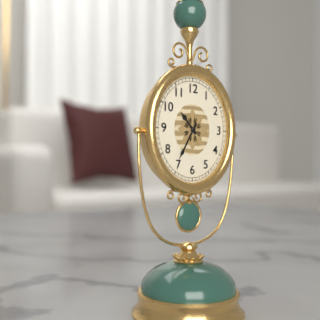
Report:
**10:35**
